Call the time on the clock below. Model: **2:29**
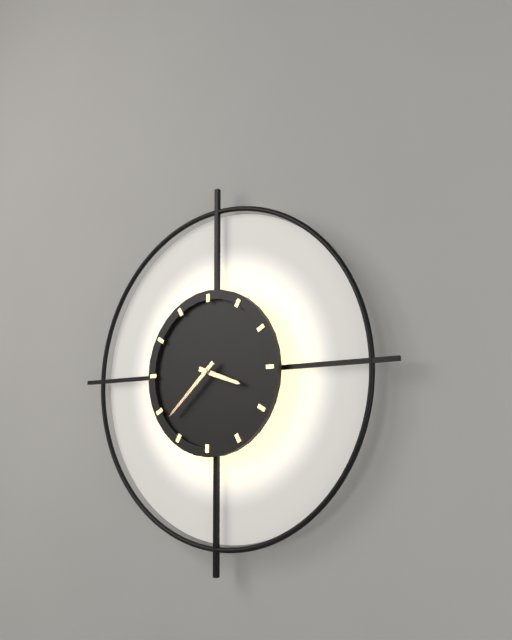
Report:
**3:38**
